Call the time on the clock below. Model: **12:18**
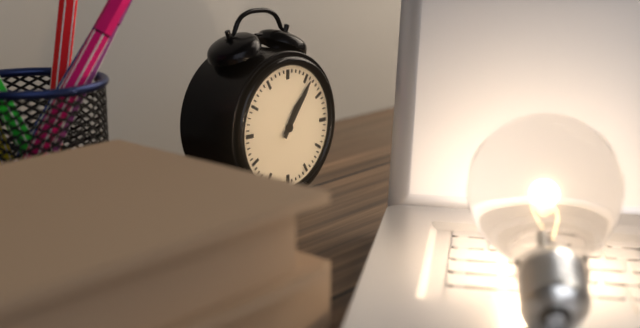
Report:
**1:06**
